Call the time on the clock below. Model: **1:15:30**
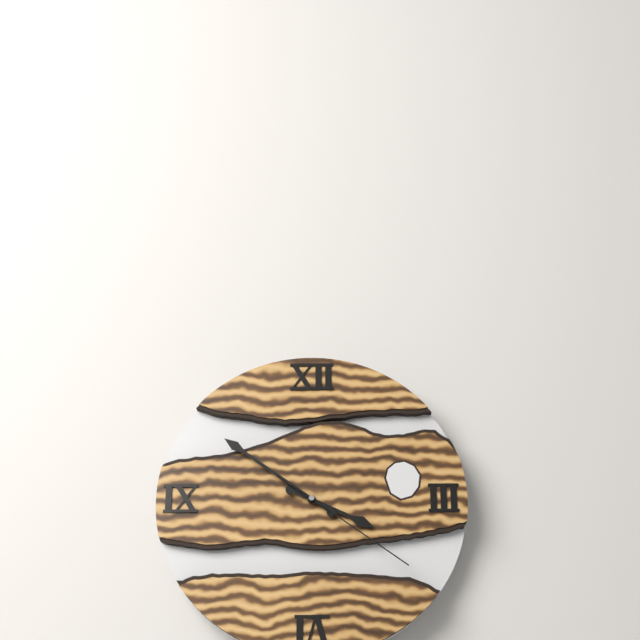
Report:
**3:51:21**
